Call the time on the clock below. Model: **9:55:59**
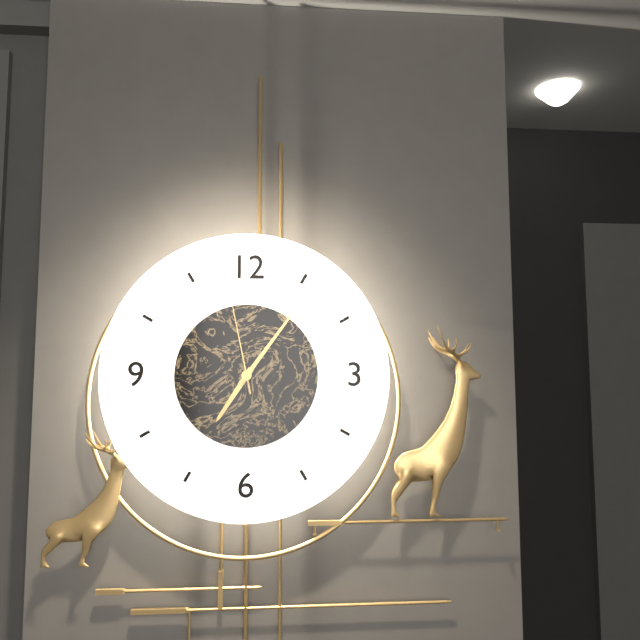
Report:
**7:06:58**
